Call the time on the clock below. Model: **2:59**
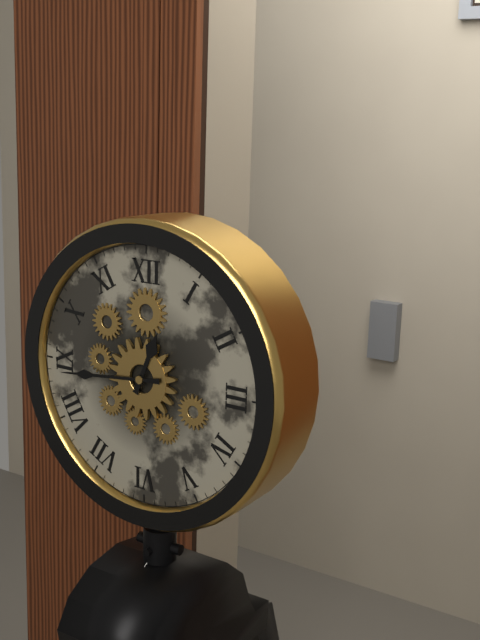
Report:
**12:44**
